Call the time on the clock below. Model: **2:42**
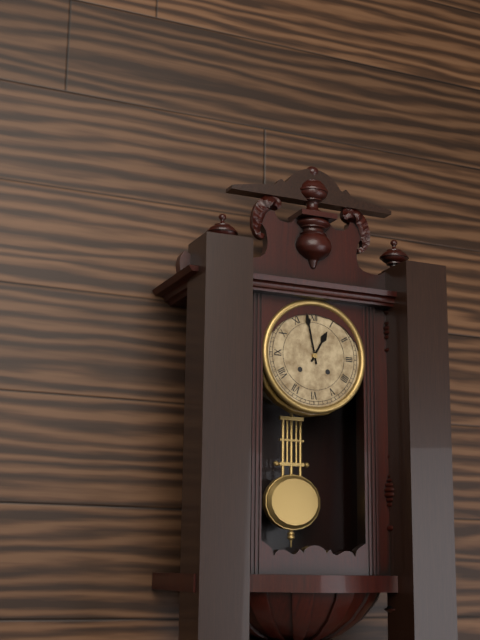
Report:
**12:58**
